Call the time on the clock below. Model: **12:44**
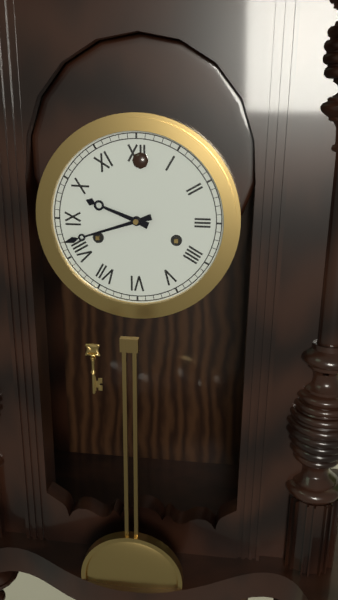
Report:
**9:42**
